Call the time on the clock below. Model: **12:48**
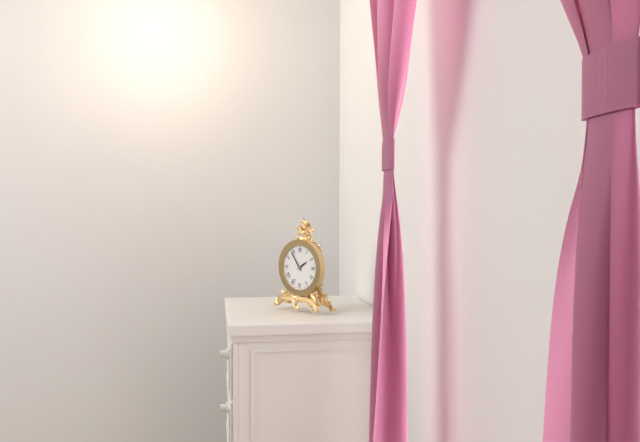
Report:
**1:54**
